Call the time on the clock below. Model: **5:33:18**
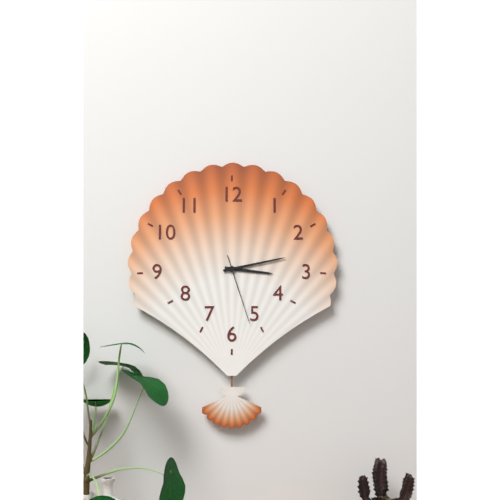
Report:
**3:13:27**
